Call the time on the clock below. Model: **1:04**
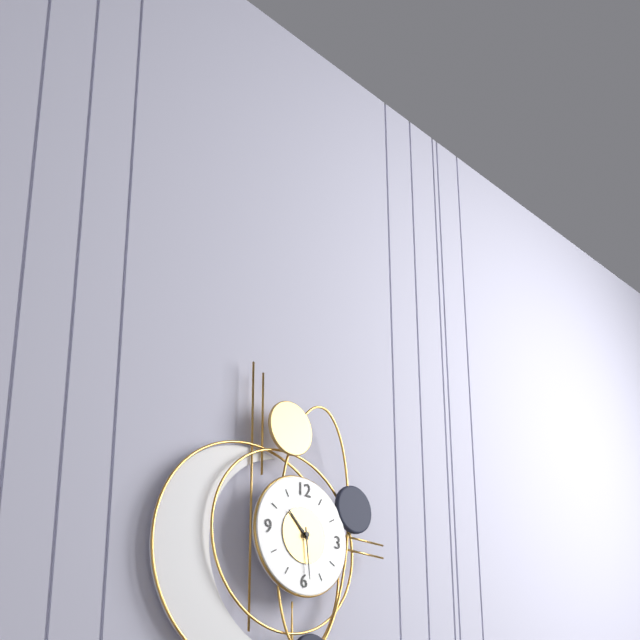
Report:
**10:29**
